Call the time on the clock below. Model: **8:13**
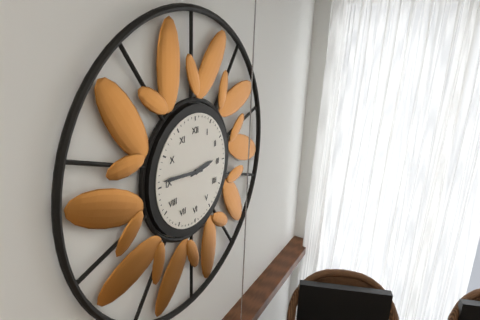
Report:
**2:46**
